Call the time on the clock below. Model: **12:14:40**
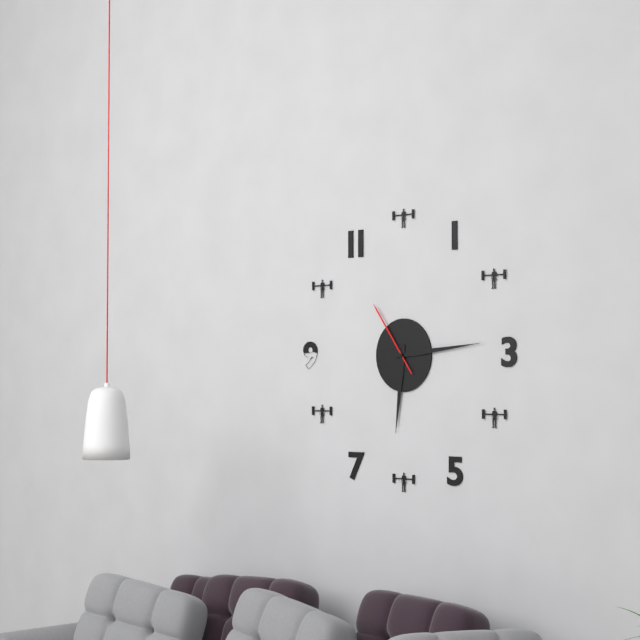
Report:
**6:14:54**
